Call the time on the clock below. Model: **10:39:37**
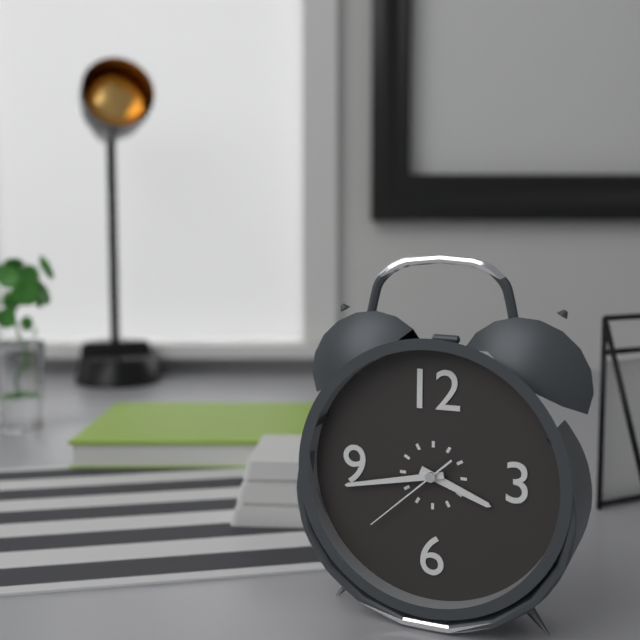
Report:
**3:43:38**
